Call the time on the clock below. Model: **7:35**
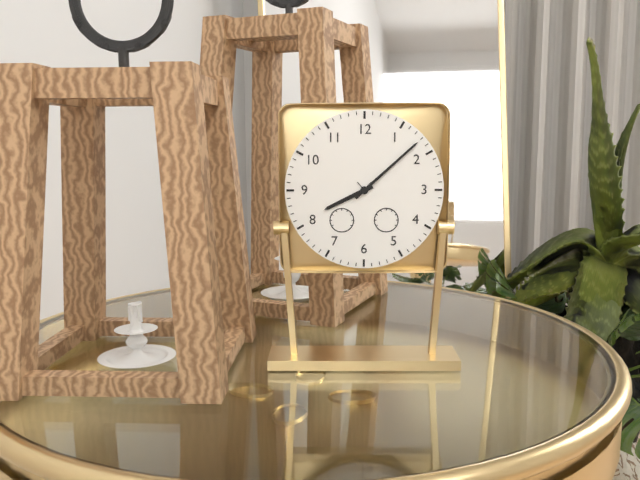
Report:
**8:08**
